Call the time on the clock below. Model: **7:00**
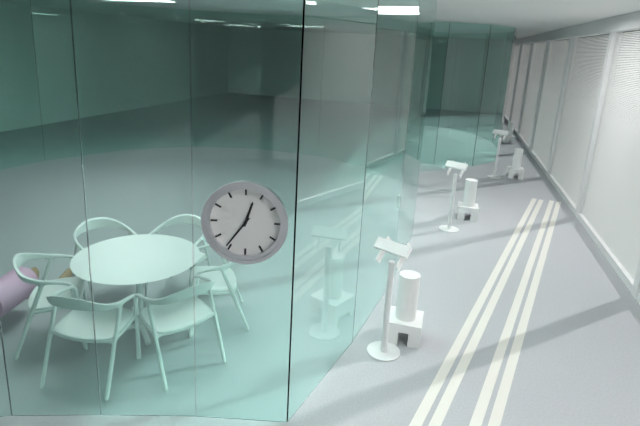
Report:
**12:36**
